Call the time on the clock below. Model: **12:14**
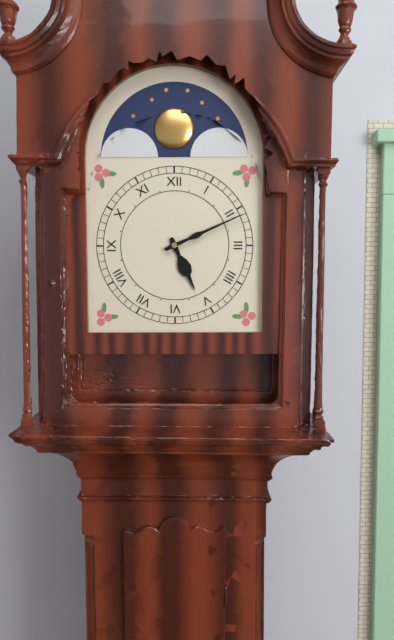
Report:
**5:11**
